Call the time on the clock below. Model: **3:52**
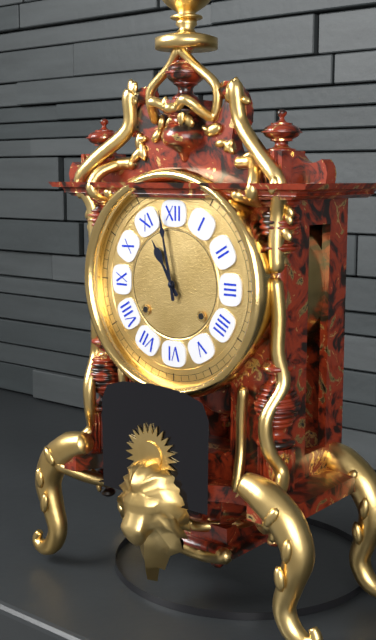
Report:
**10:58**
